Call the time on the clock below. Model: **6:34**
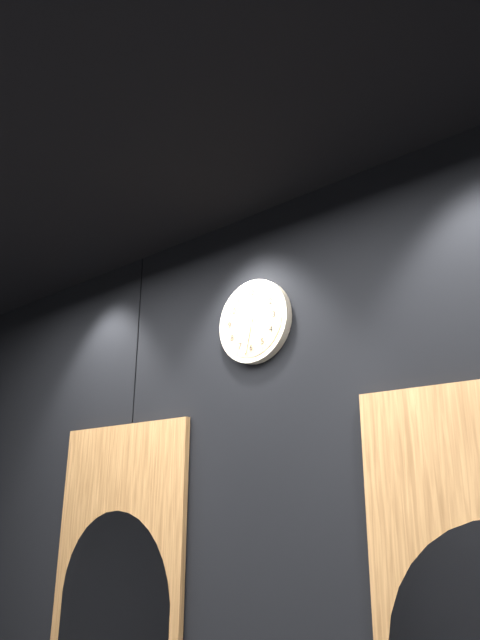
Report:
**6:32**
